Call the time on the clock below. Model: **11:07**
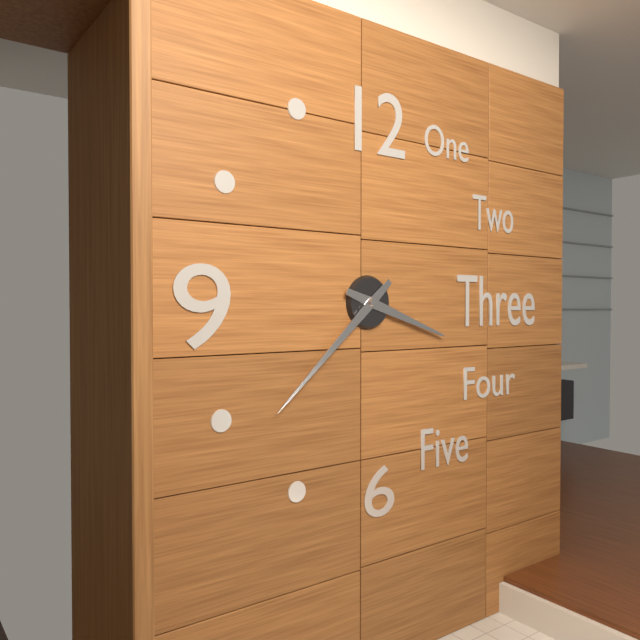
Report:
**3:38**
